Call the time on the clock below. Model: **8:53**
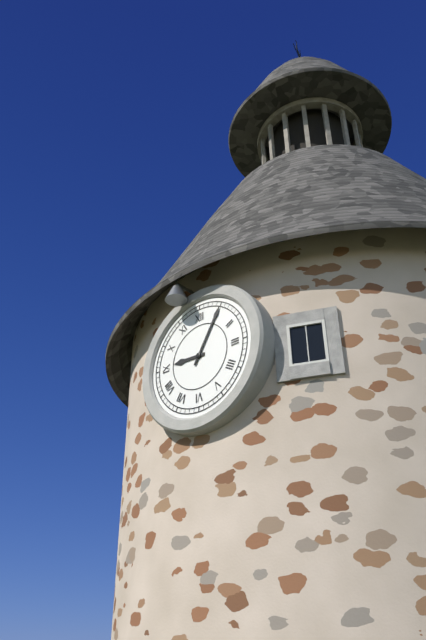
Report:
**9:05**
